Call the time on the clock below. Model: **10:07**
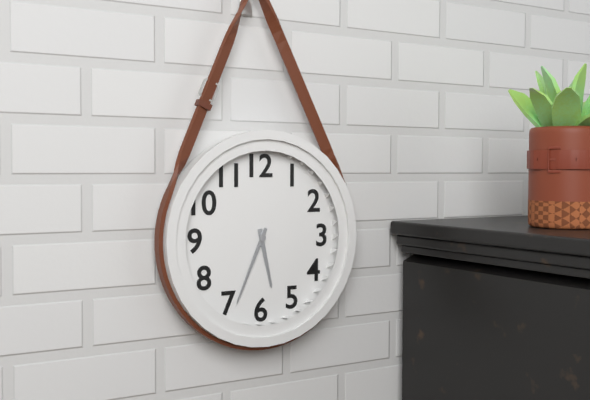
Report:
**5:34**
